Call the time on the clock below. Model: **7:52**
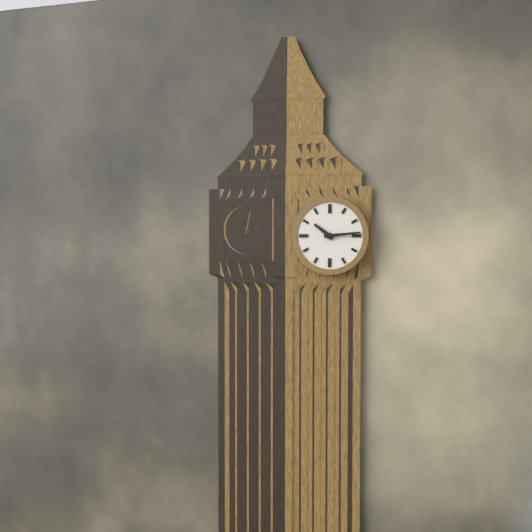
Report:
**10:14**
